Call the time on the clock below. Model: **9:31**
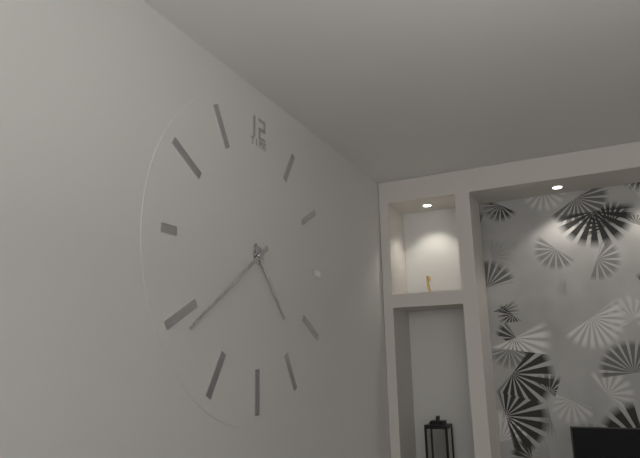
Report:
**4:39**
